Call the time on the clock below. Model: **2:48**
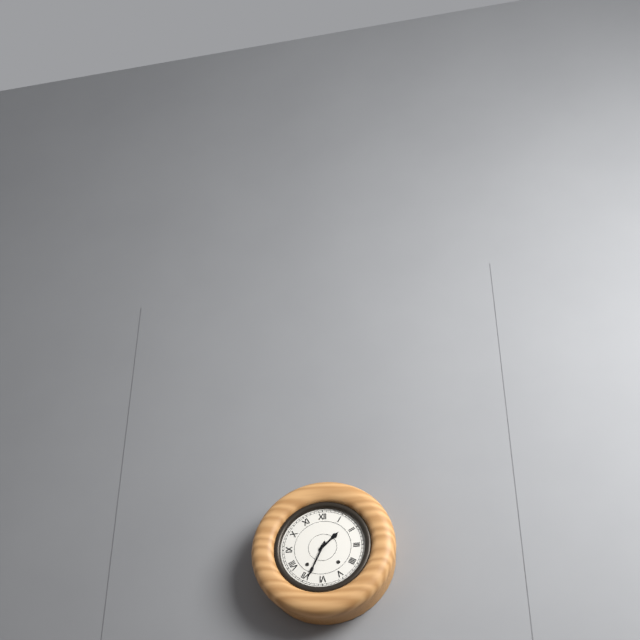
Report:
**1:34**
